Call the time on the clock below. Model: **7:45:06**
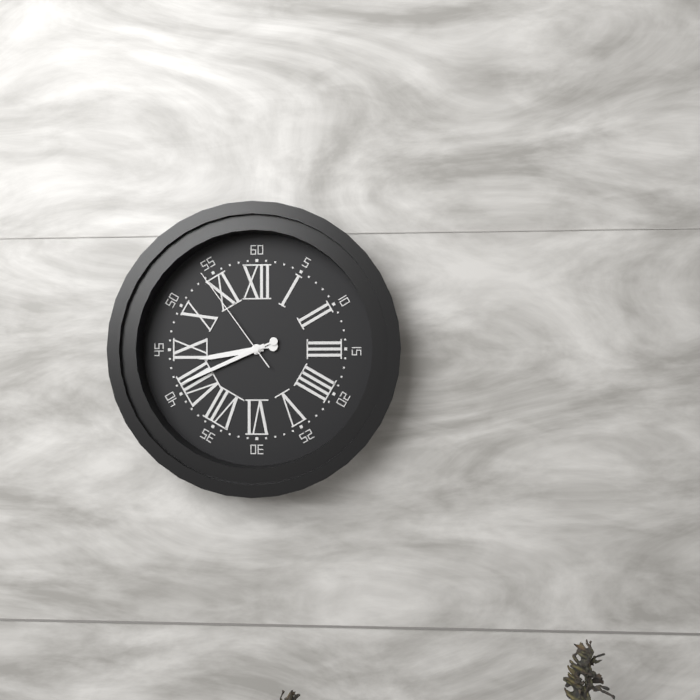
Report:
**8:41:54**
